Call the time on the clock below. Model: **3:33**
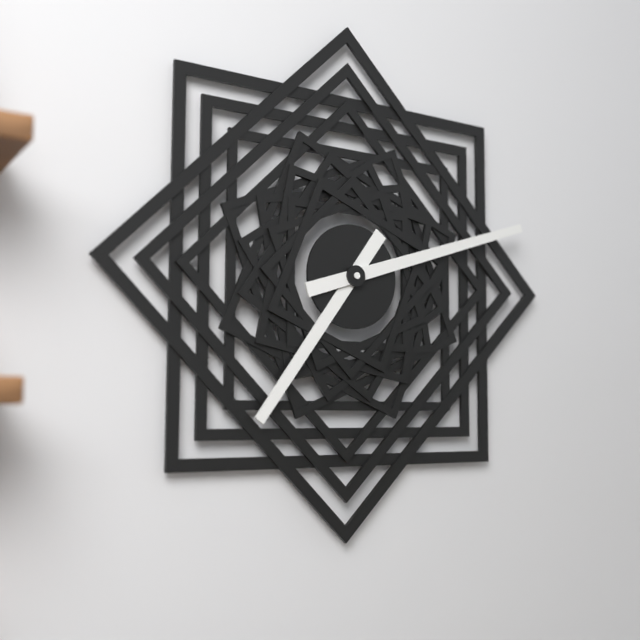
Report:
**7:12**
